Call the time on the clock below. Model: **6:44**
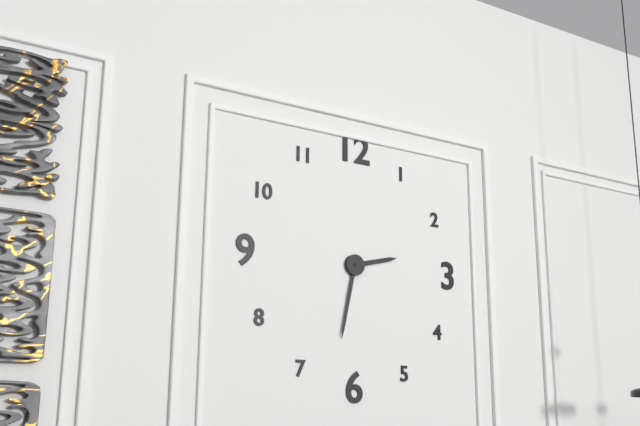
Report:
**2:32**
